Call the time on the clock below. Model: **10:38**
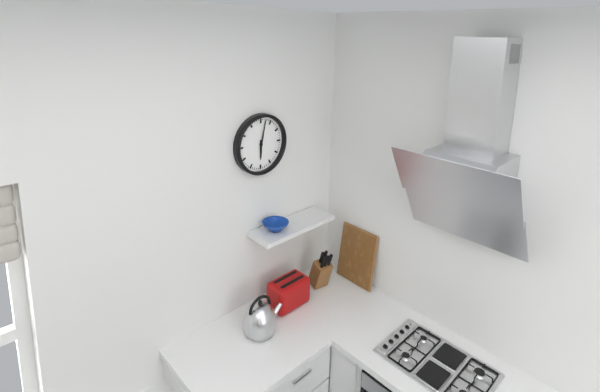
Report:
**6:02**
